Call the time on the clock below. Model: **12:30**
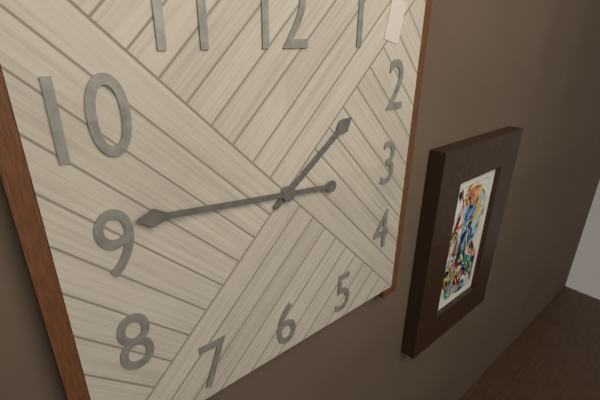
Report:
**1:46**
